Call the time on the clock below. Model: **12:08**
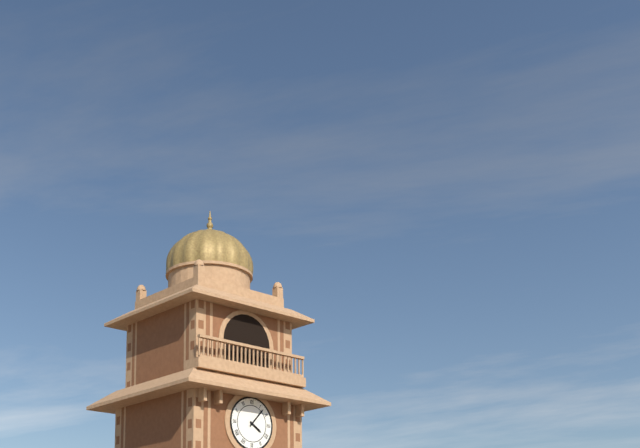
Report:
**4:07**
